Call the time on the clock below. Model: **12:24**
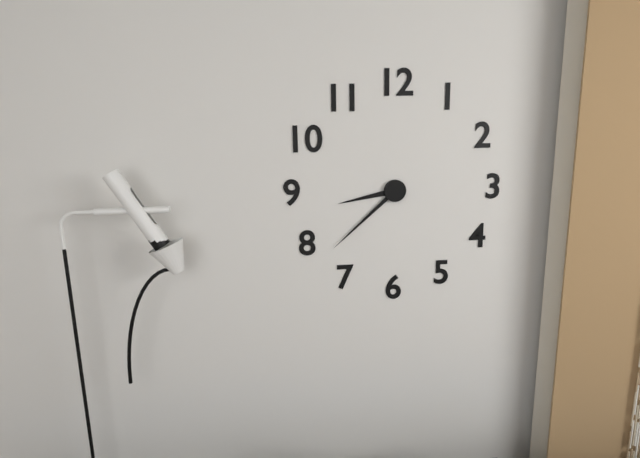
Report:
**8:38**
